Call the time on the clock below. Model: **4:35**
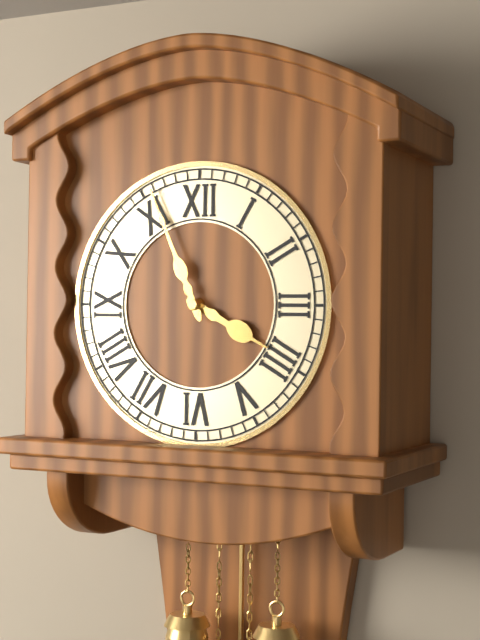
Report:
**3:56**
